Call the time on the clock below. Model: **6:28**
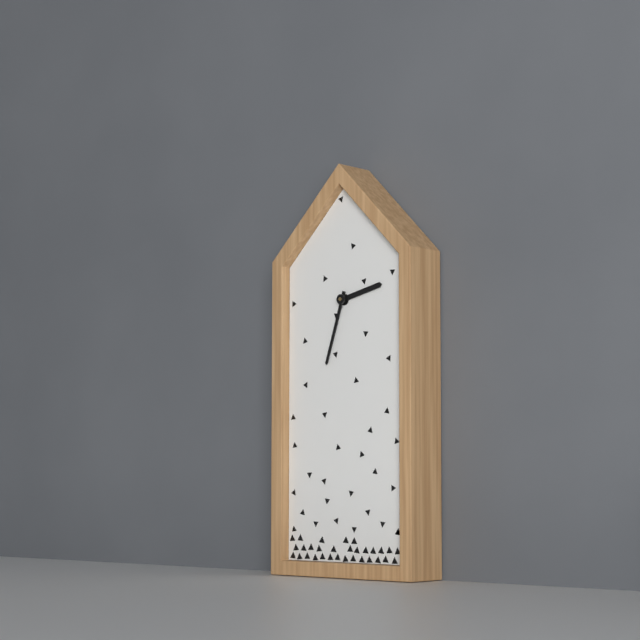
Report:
**2:33**
